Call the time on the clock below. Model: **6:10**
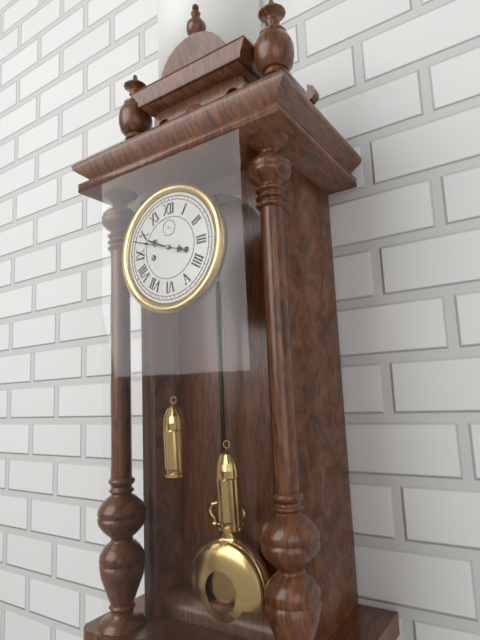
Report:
**9:48**
